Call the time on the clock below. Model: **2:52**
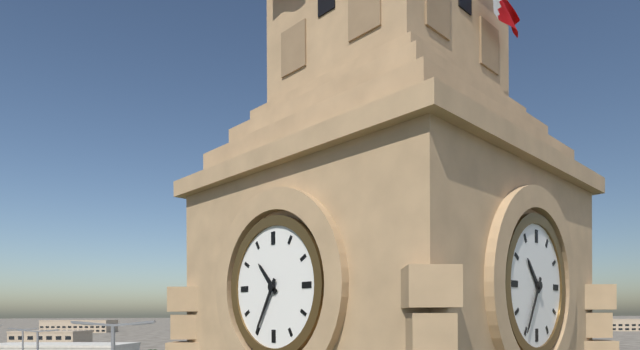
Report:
**10:35**
